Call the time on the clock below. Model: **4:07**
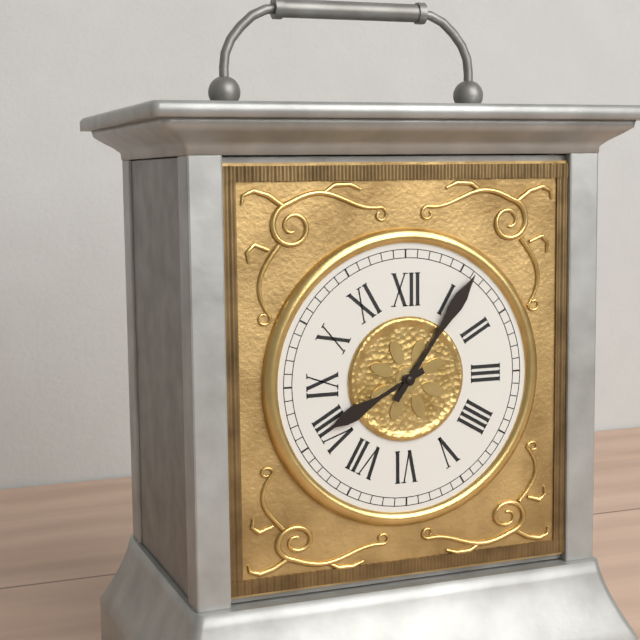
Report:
**8:06**
